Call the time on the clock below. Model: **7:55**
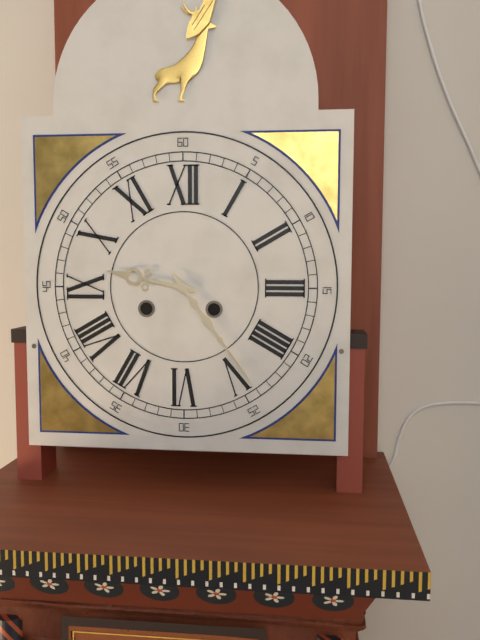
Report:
**9:24**
